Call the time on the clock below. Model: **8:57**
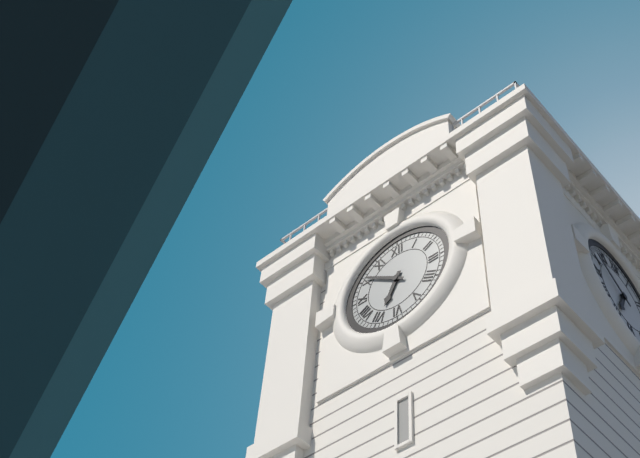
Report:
**6:51**
